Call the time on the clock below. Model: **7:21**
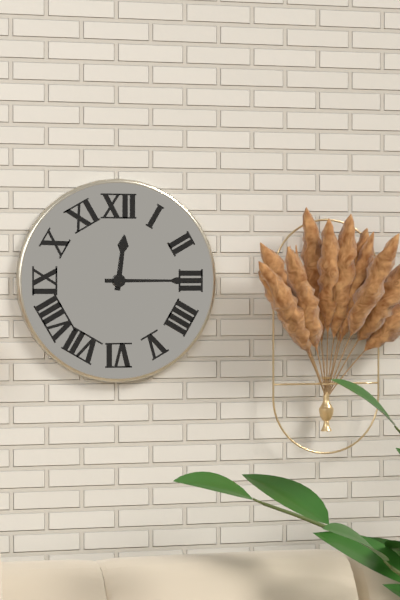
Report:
**12:15**
